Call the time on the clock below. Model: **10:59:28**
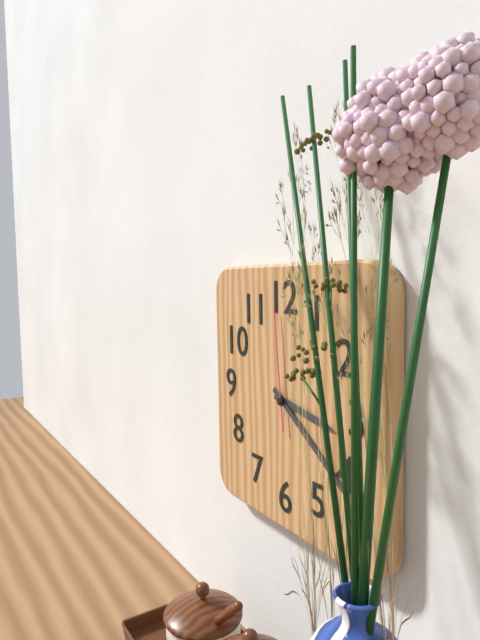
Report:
**3:21:59**
